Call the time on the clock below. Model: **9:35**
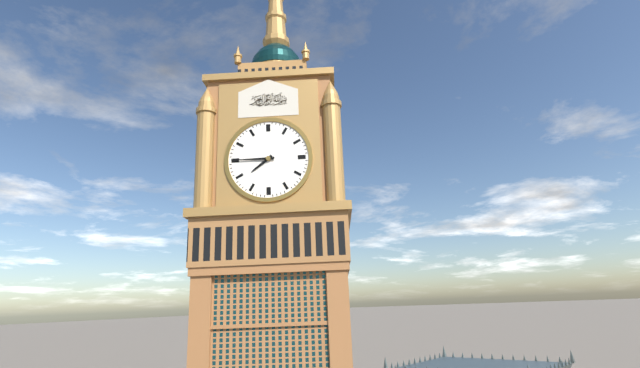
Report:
**7:45**
